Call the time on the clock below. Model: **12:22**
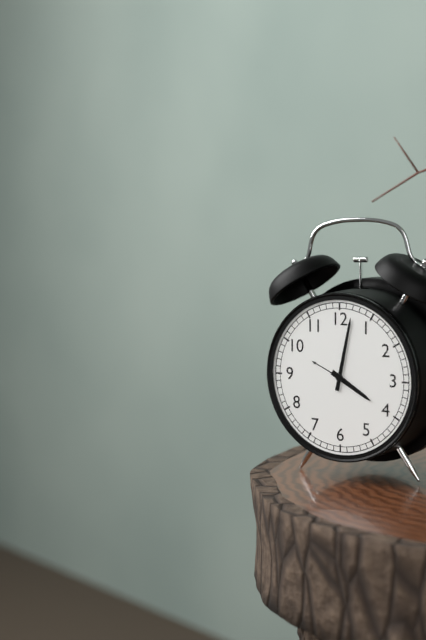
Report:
**4:02**
